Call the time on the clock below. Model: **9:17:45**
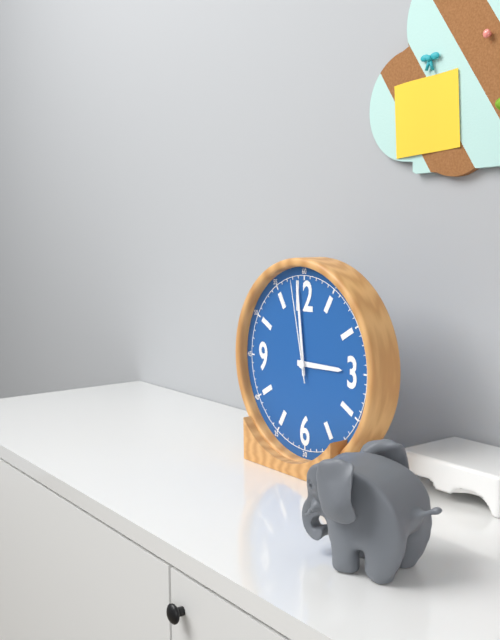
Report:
**2:59:58**
